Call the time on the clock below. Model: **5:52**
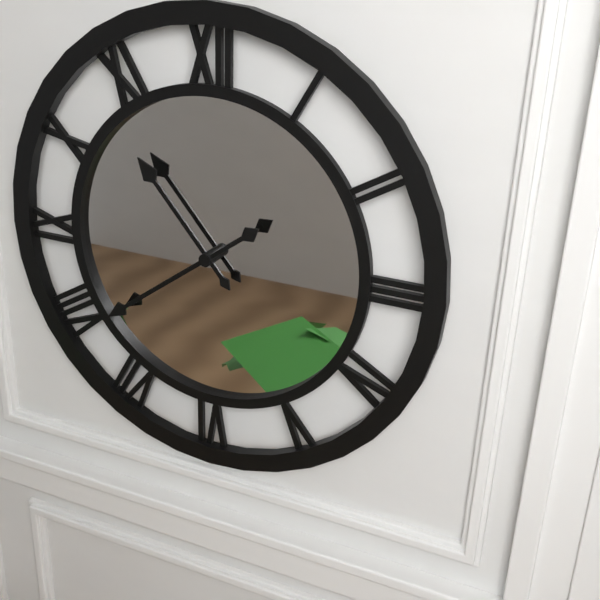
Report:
**10:39**
